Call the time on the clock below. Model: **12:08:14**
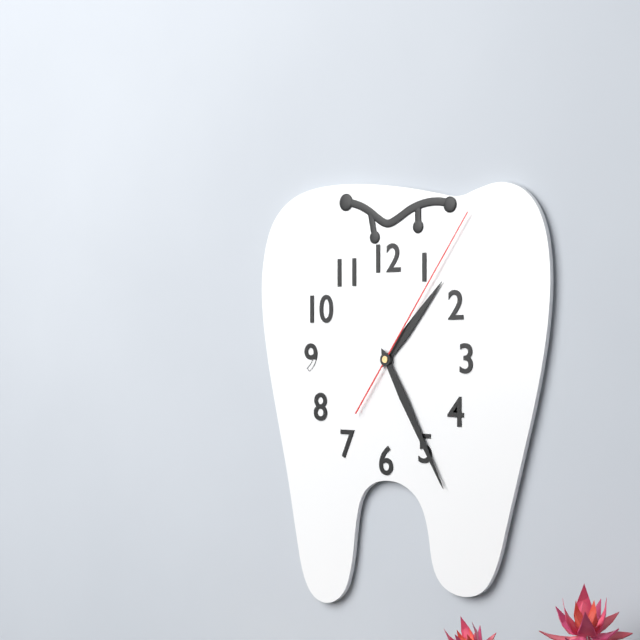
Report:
**1:25:06**
